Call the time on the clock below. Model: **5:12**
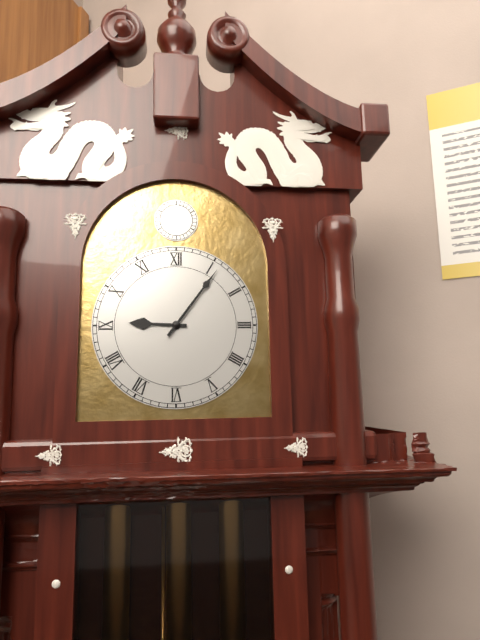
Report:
**9:06**
